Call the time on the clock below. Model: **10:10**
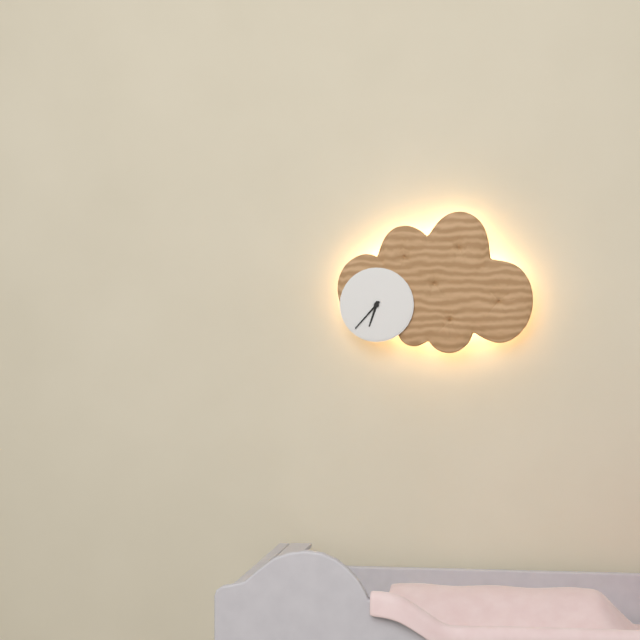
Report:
**6:37**
